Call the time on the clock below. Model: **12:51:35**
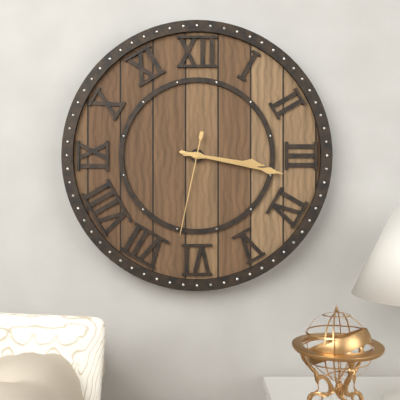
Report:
**3:17:32**
